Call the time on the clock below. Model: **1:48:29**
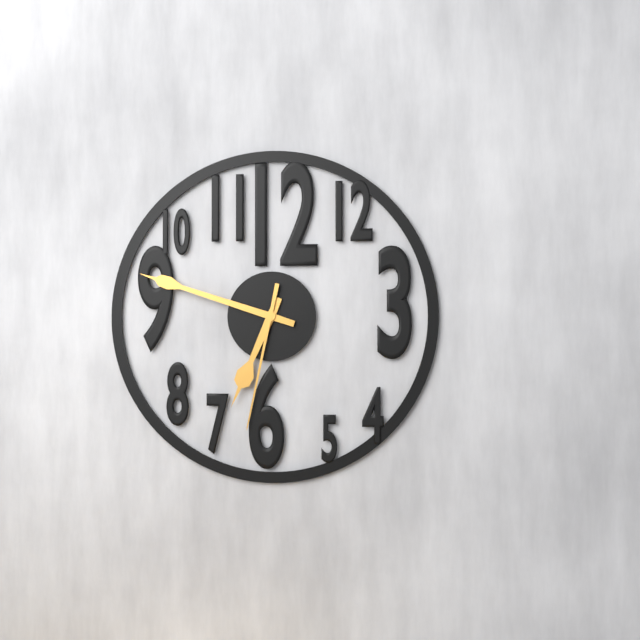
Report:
**6:48:32**
